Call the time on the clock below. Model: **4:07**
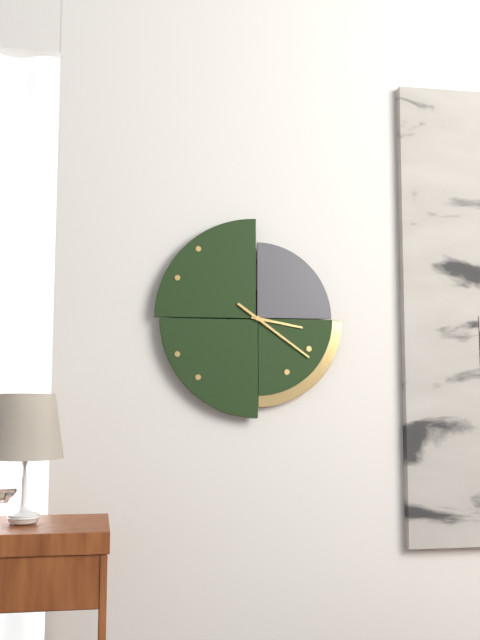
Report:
**3:21**
